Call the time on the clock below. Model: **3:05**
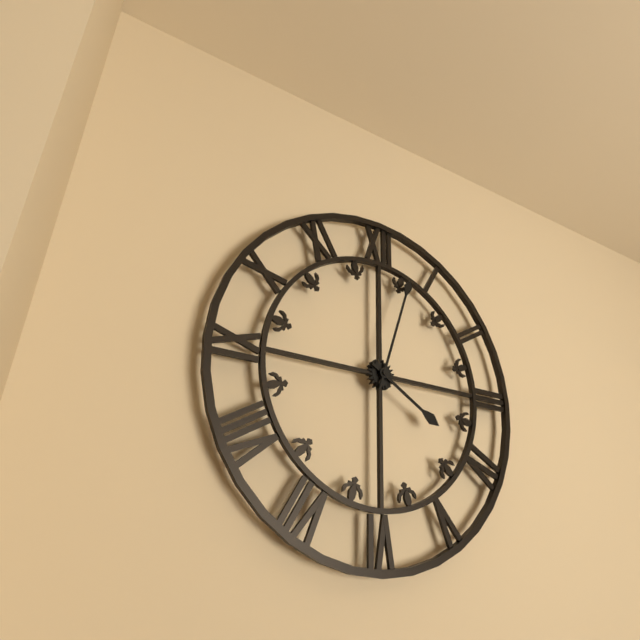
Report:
**4:03**
